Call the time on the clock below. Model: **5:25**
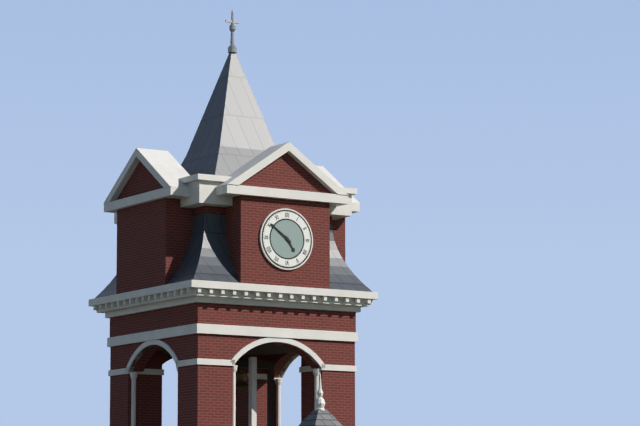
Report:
**4:51**
